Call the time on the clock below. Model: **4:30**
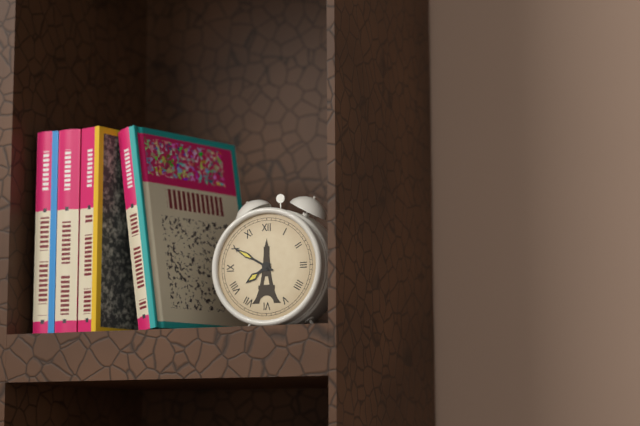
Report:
**7:50**
